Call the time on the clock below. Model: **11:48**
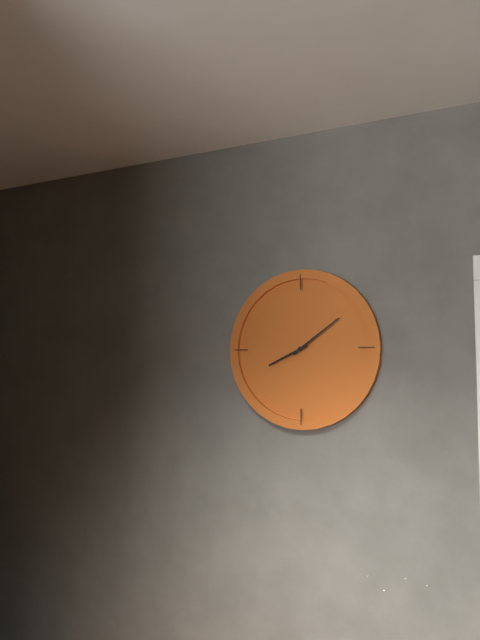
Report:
**8:09**
